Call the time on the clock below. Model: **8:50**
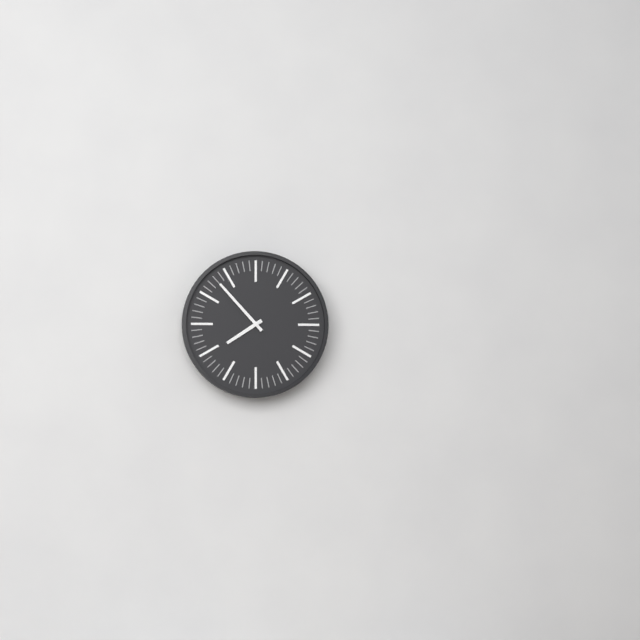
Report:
**7:53**
